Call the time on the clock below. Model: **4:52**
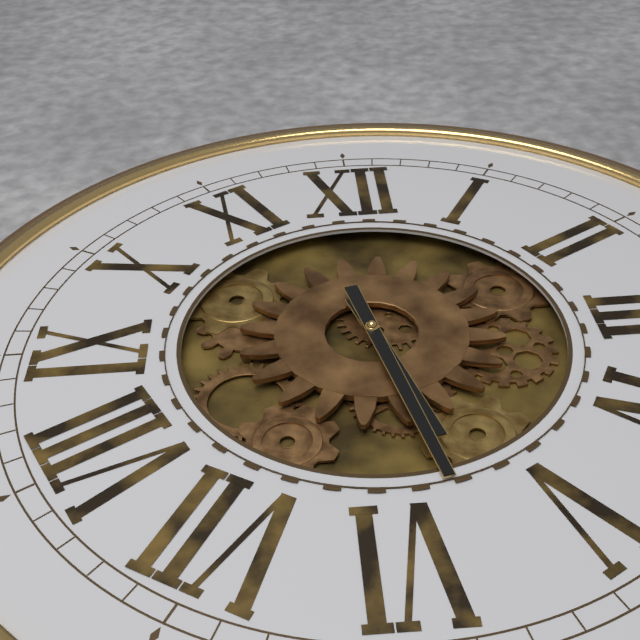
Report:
**5:28**
